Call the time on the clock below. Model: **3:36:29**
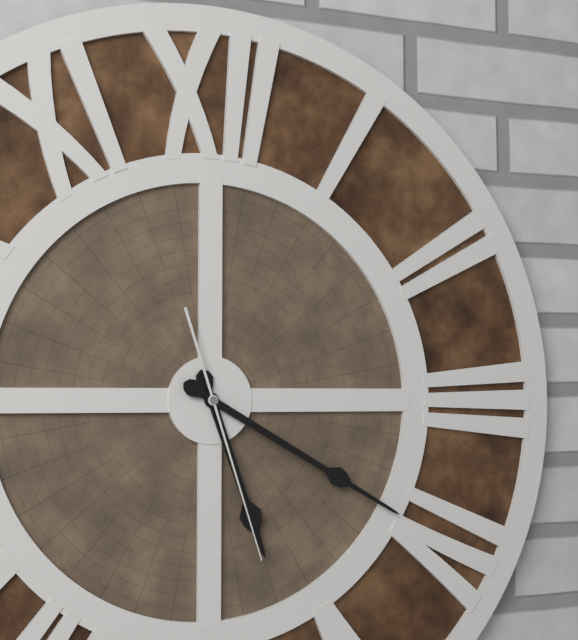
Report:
**5:20:27**
